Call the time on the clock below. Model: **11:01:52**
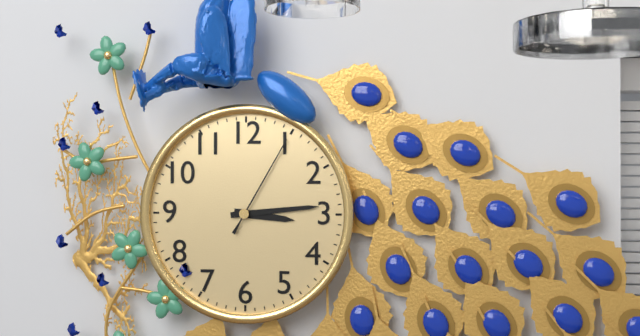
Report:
**3:14:05**
